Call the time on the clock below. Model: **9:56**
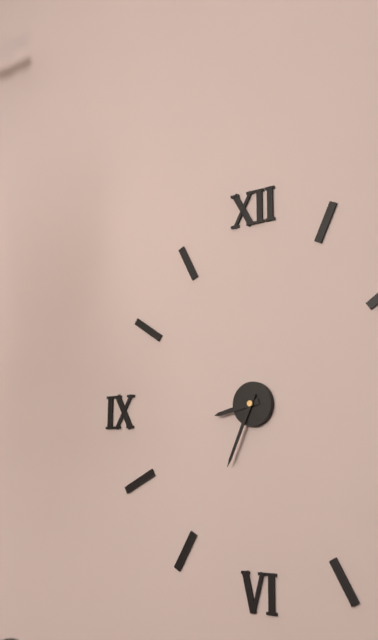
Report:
**8:34**
